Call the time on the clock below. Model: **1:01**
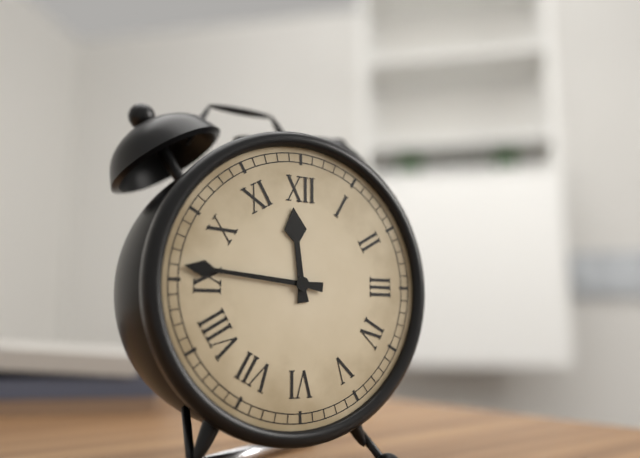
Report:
**11:46**
